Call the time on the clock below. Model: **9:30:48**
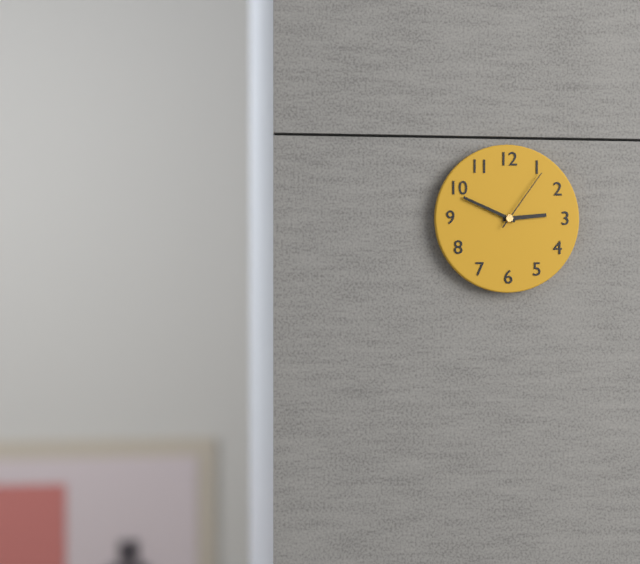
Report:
**2:49:06**
